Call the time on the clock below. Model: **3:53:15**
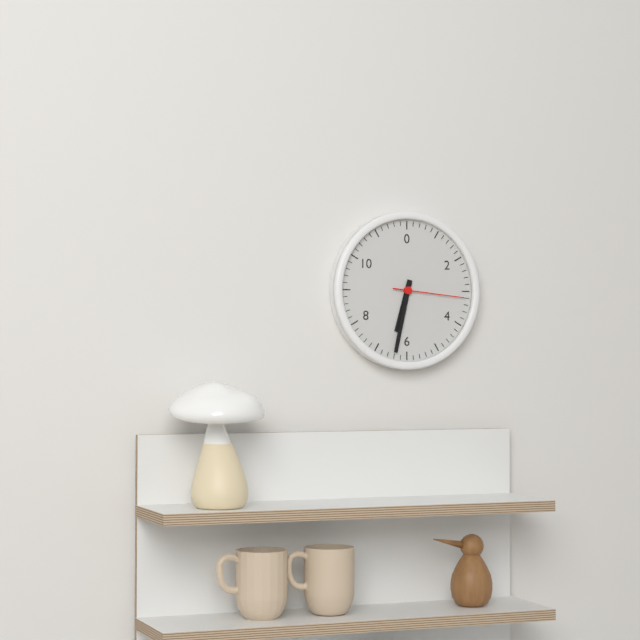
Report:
**6:32:16**
